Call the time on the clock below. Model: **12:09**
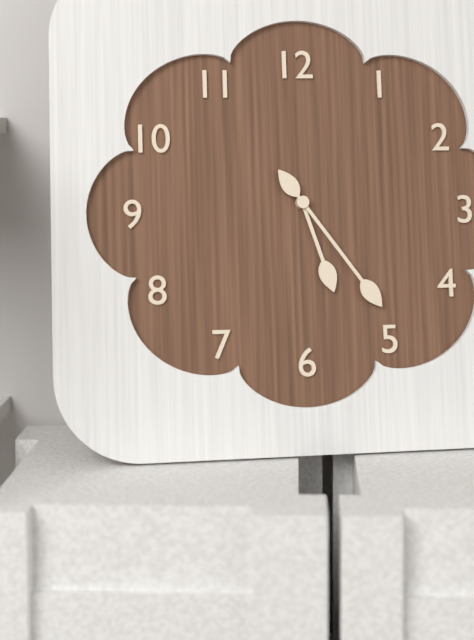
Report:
**5:24**
